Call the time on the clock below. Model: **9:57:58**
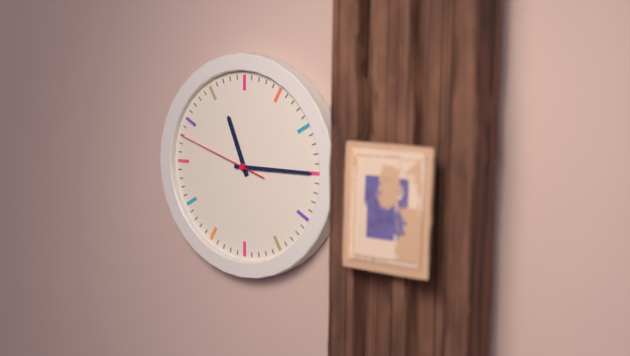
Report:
**11:15:48**
